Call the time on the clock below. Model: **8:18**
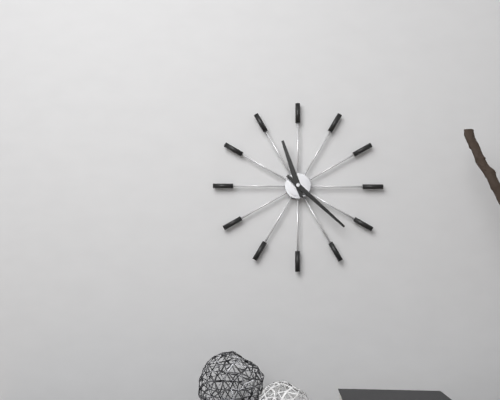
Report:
**11:22**
